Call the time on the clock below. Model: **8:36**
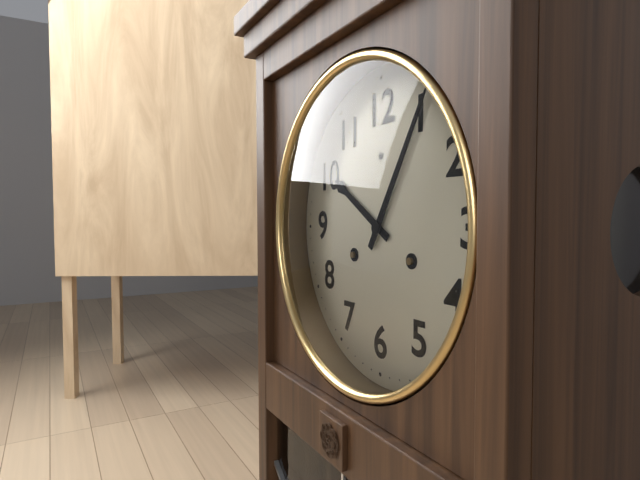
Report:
**10:05**
